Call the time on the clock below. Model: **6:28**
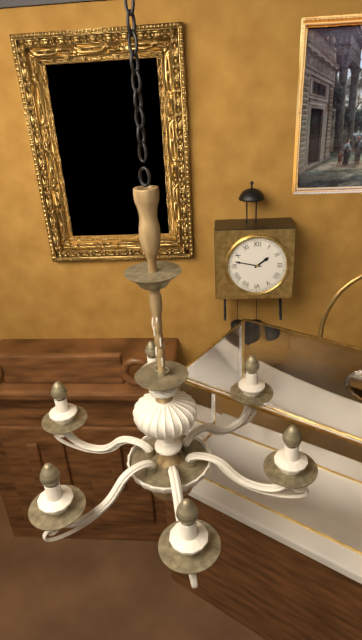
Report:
**1:47**
